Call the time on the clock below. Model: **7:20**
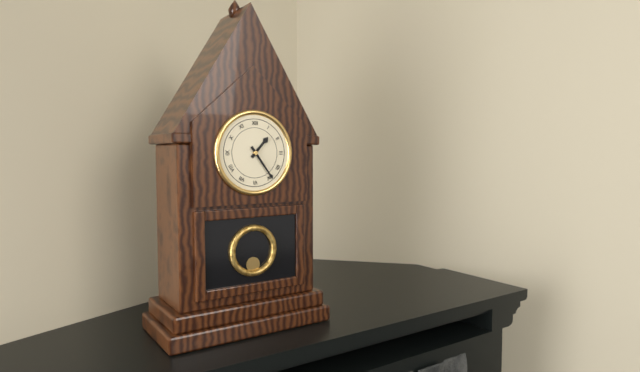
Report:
**1:24**
